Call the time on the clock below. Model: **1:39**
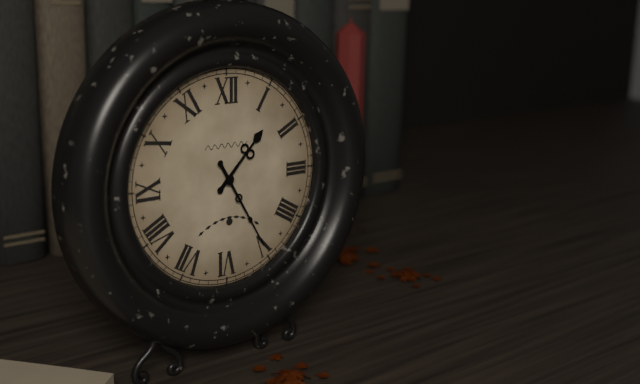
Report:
**1:25**
